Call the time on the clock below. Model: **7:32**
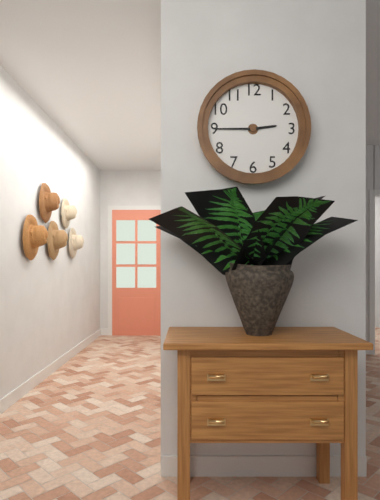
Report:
**2:45**
